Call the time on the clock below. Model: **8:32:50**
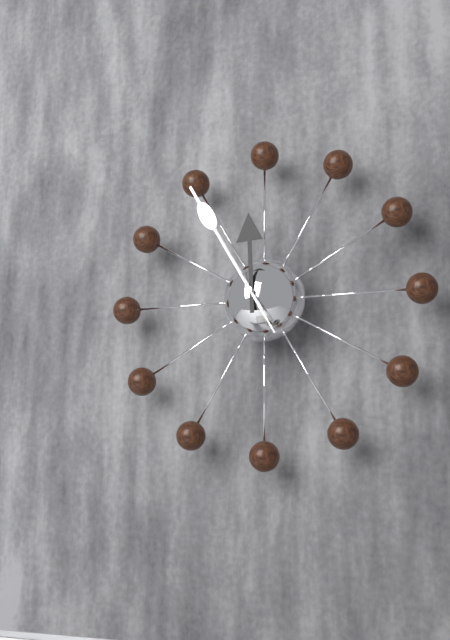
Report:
**11:55:55**
